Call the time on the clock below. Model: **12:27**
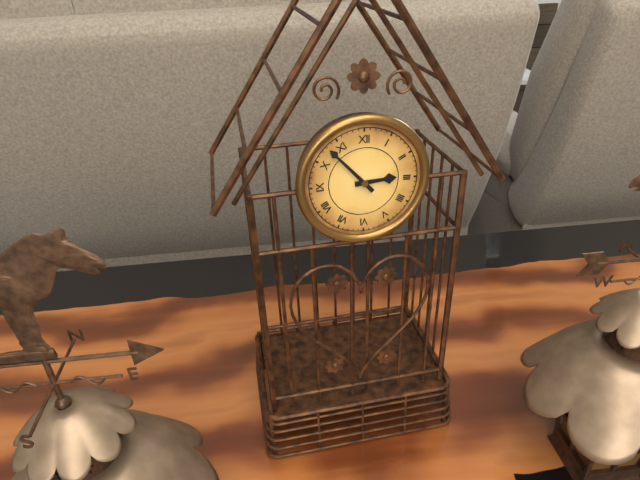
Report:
**2:53**
